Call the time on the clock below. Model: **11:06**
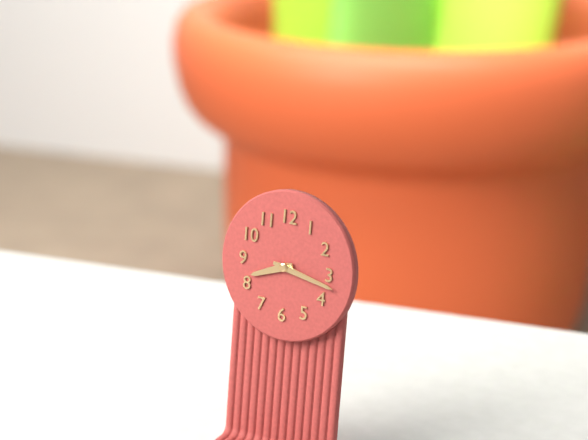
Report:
**8:17**
